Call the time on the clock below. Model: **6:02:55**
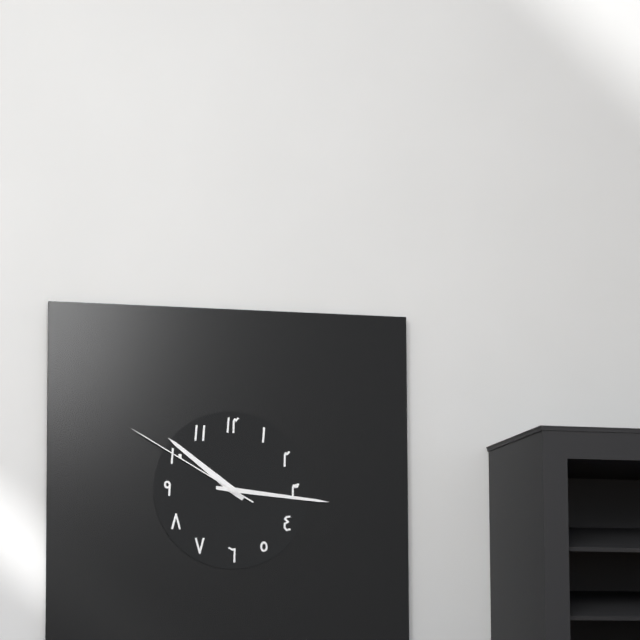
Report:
**10:16:50**
